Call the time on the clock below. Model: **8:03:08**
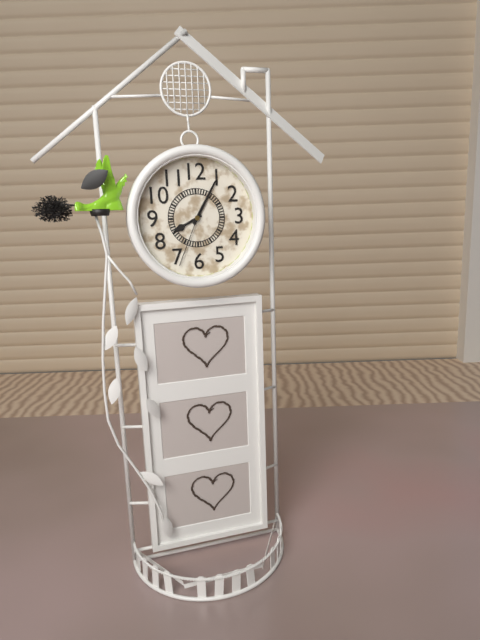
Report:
**8:05:34**
